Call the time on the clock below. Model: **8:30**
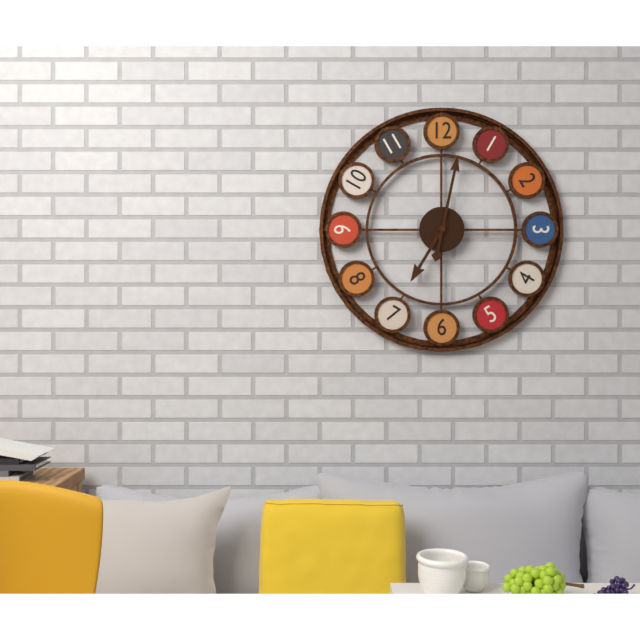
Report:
**7:02**
